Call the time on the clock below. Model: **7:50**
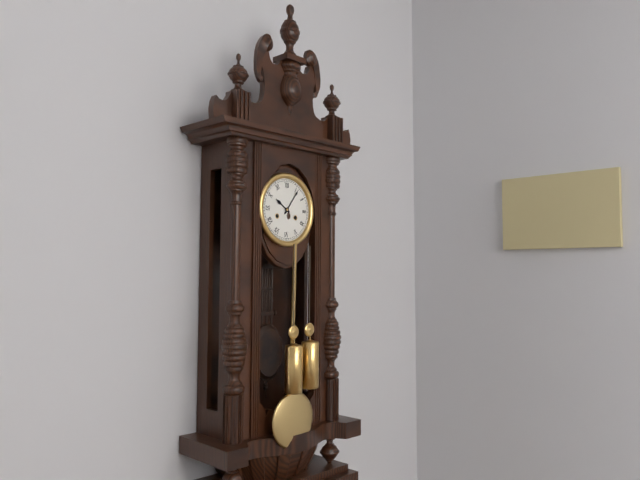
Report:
**10:06**
